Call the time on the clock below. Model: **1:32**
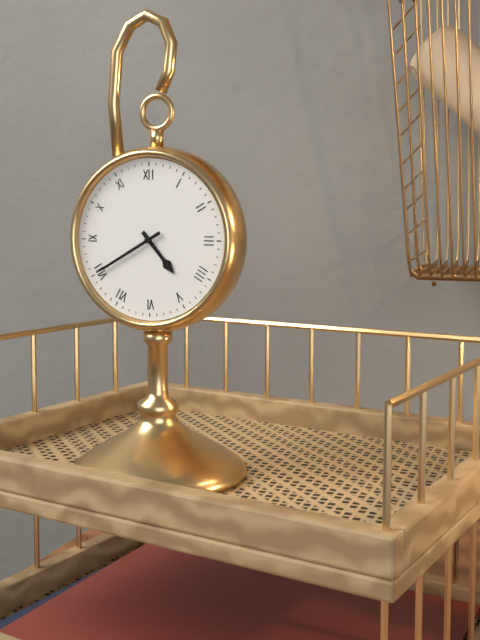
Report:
**4:40**
